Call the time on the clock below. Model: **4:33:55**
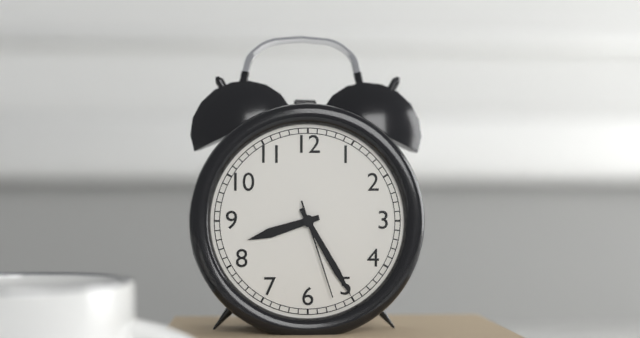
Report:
**8:25:27**
